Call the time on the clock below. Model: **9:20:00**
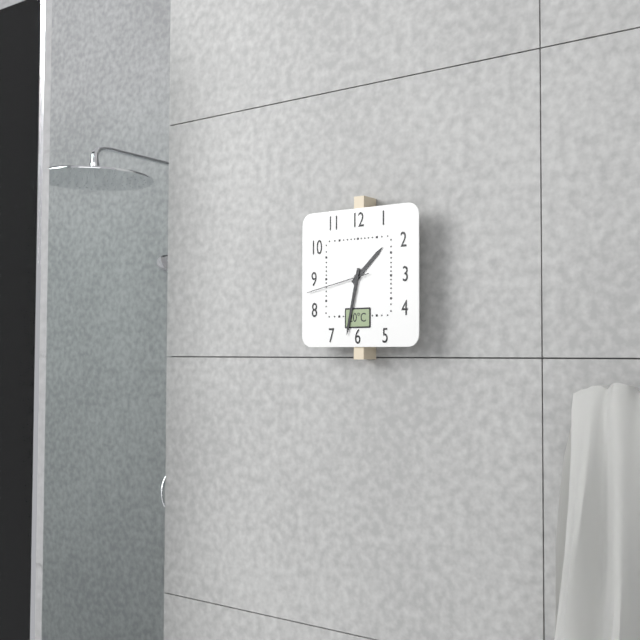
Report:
**1:32:43**
